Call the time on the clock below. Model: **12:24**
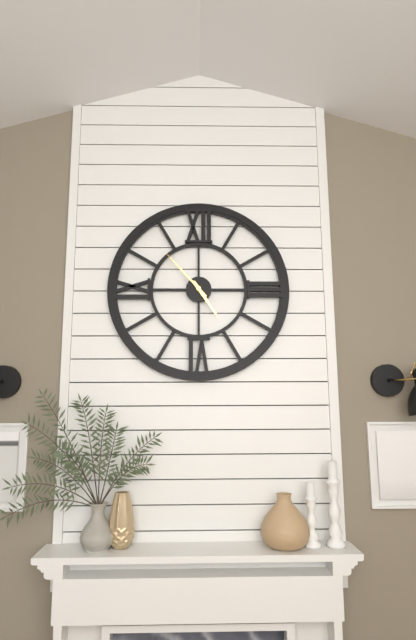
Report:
**4:53**
